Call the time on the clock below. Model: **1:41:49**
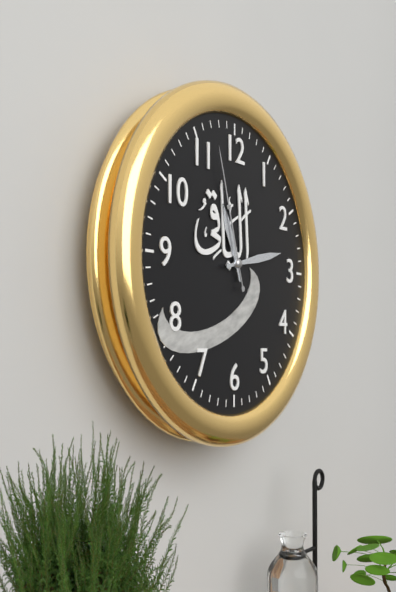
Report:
**11:13:57**
